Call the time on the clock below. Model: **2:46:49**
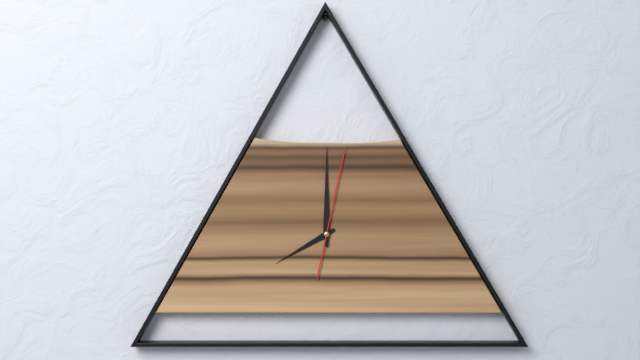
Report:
**8:00:02**
